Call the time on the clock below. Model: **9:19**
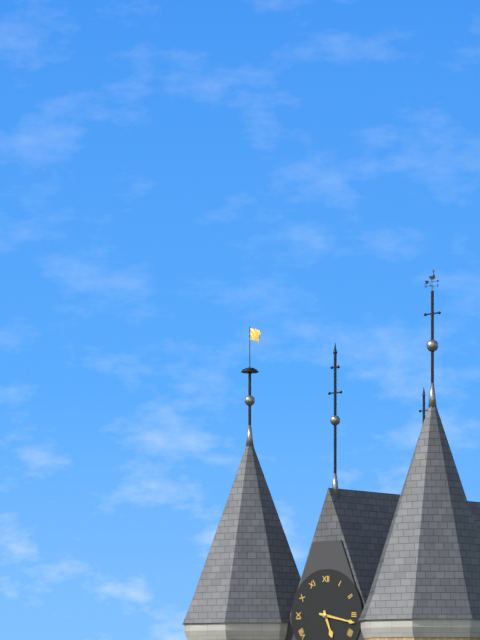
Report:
**5:17**
